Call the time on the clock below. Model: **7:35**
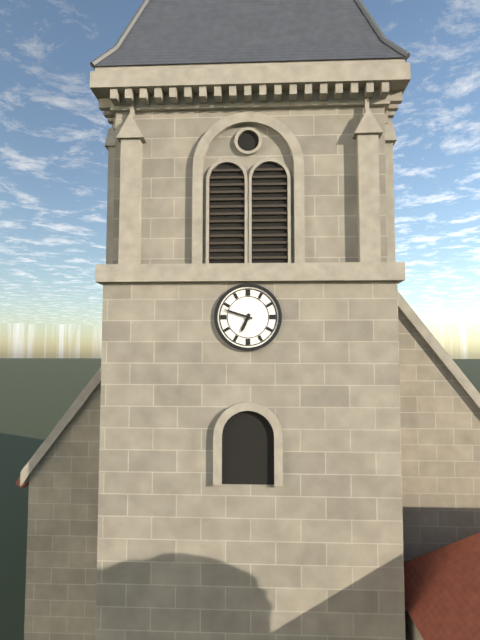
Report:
**6:48**
